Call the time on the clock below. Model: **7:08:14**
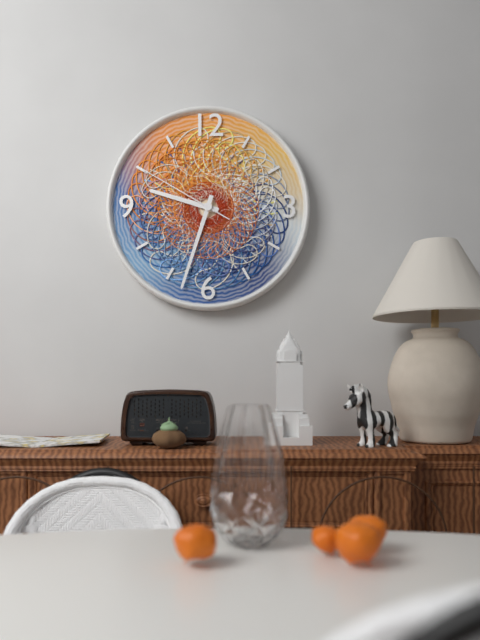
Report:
**9:33:50**
